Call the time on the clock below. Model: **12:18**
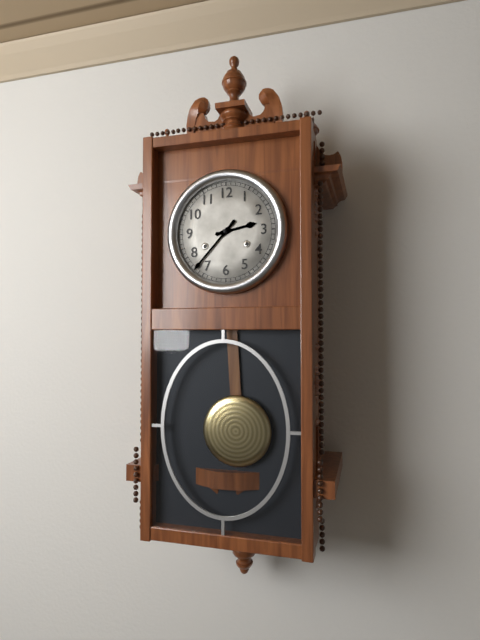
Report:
**2:37**
